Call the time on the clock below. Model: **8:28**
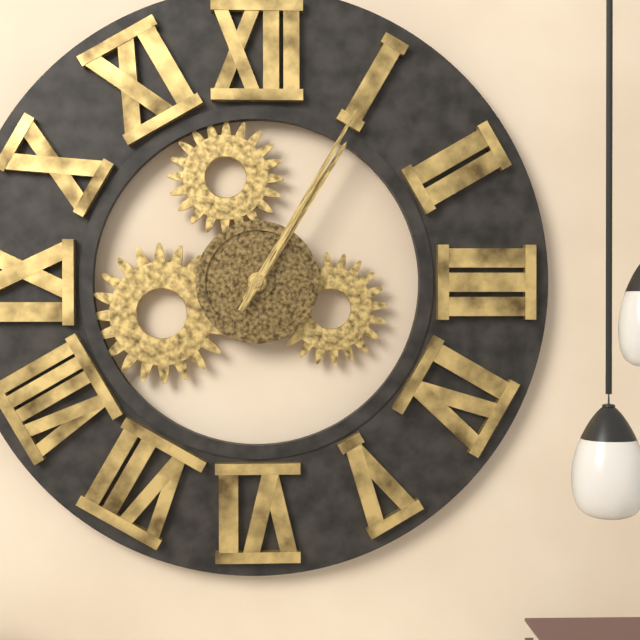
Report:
**1:05**
